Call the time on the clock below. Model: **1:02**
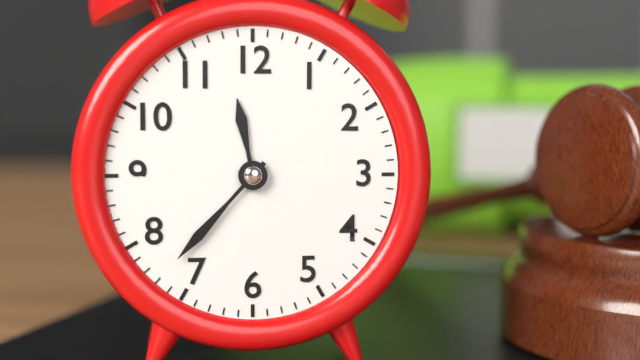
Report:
**11:37**
